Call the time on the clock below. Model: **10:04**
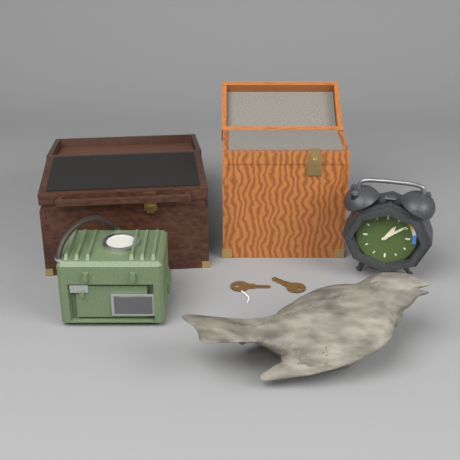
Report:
**1:09**
